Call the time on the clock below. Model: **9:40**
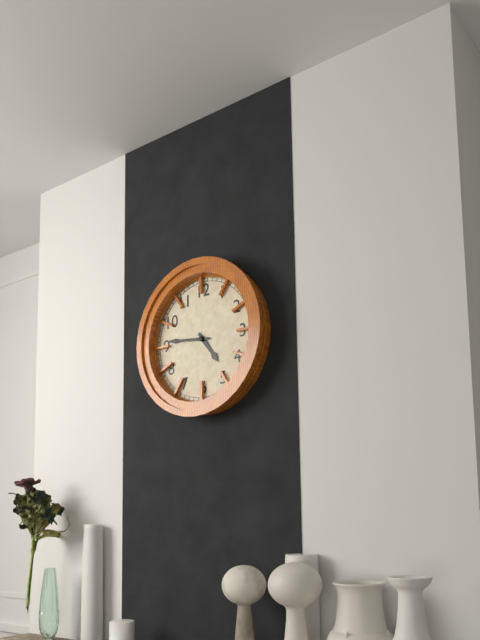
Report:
**4:46**
